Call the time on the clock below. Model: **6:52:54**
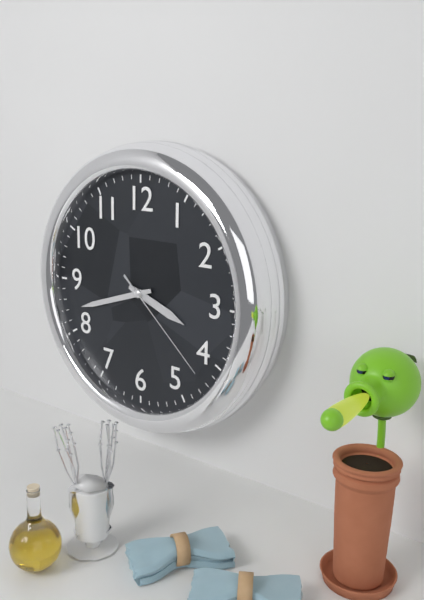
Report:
**3:42:22**
